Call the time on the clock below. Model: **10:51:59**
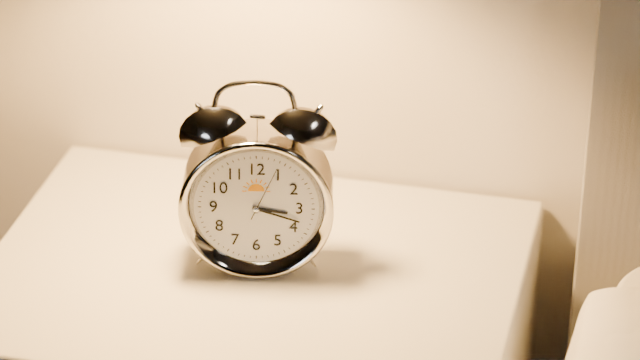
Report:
**3:18:04**
